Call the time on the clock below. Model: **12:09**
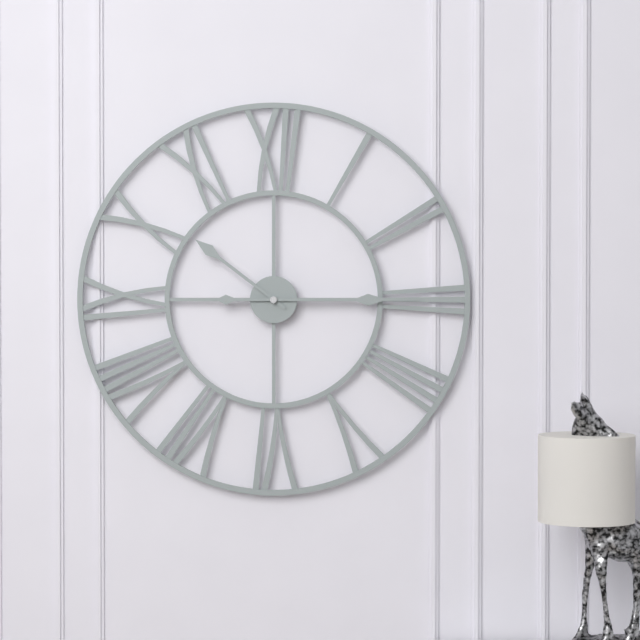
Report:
**10:15**
